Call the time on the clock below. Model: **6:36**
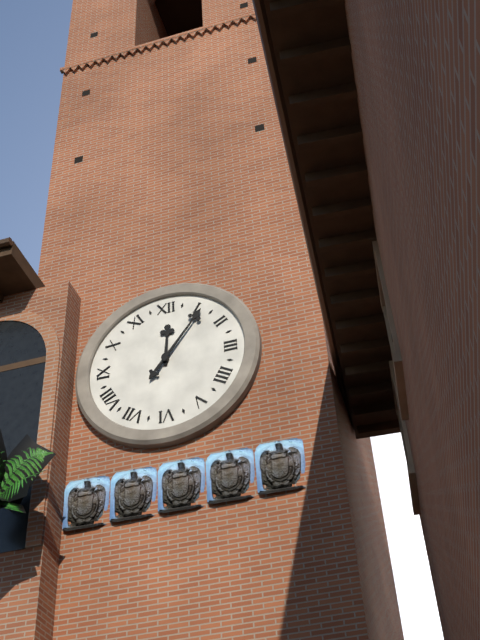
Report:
**12:06**
